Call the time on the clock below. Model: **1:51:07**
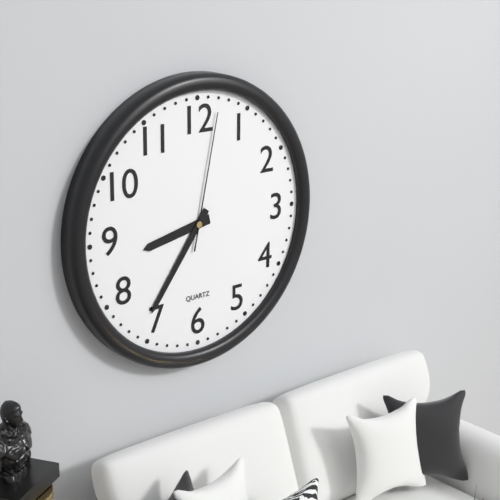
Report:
**8:36:02**
